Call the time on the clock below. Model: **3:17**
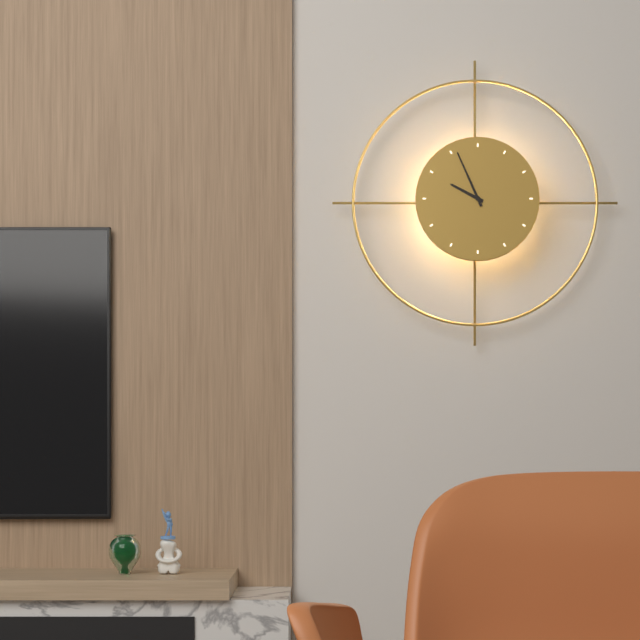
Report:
**9:56**
